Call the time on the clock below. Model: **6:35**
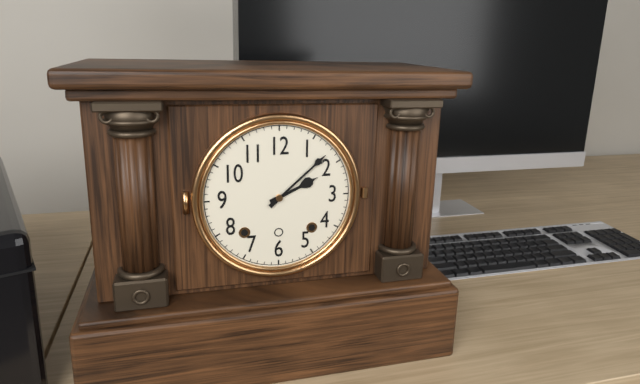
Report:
**2:08**
